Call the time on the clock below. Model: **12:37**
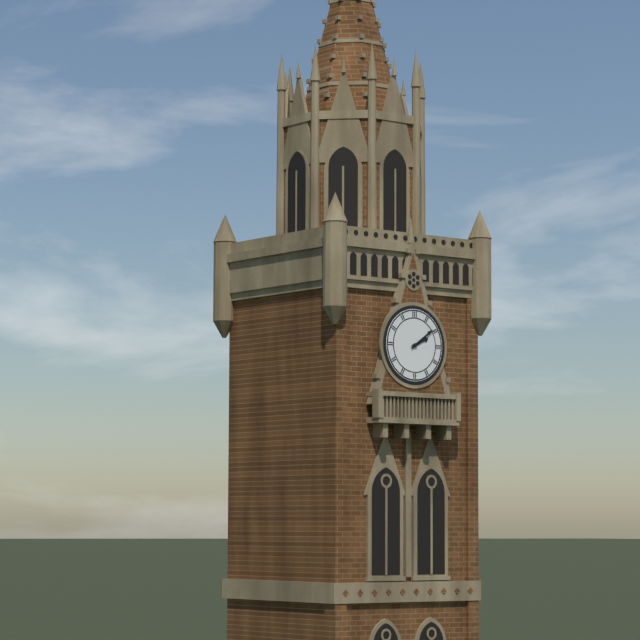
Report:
**2:09**
